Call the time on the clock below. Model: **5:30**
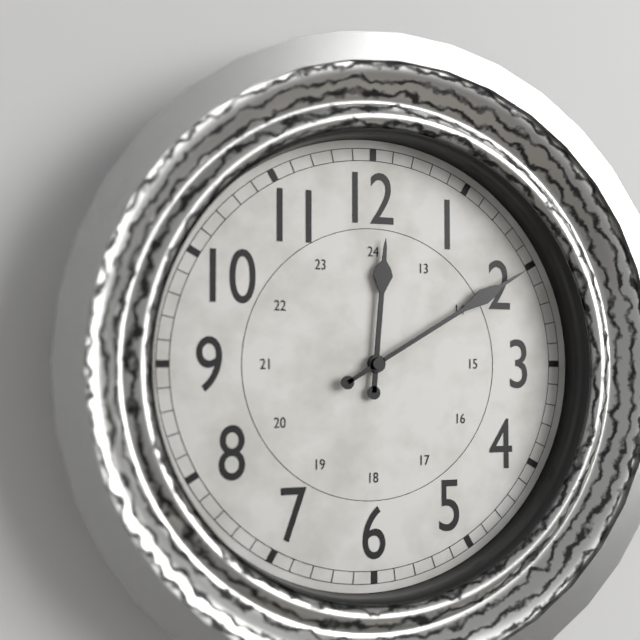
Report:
**12:10**
